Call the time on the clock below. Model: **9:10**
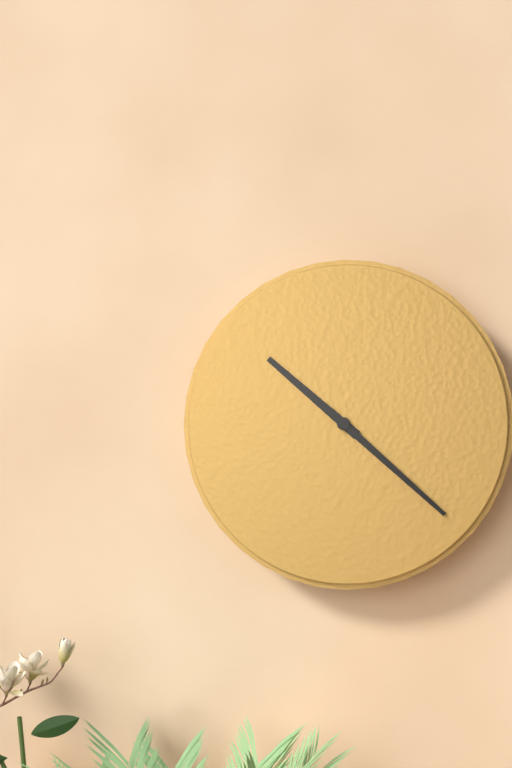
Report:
**10:22**
